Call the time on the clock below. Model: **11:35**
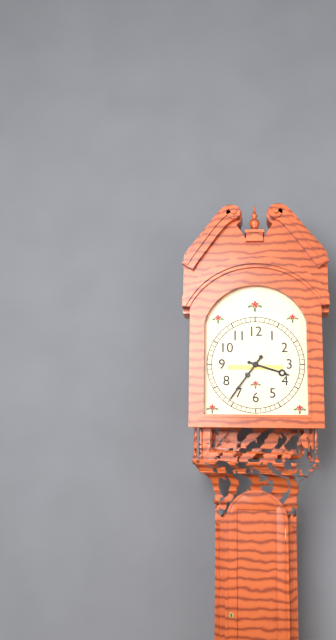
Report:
**3:36**
